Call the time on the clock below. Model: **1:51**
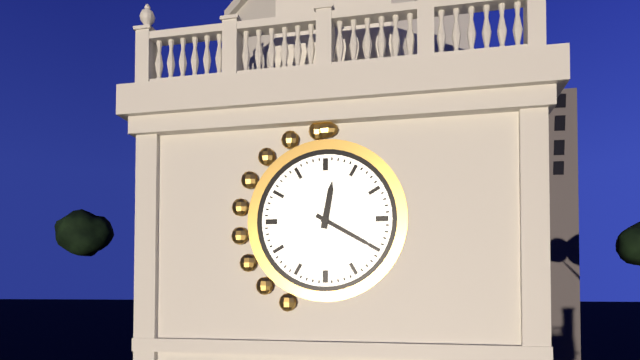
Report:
**12:20**
